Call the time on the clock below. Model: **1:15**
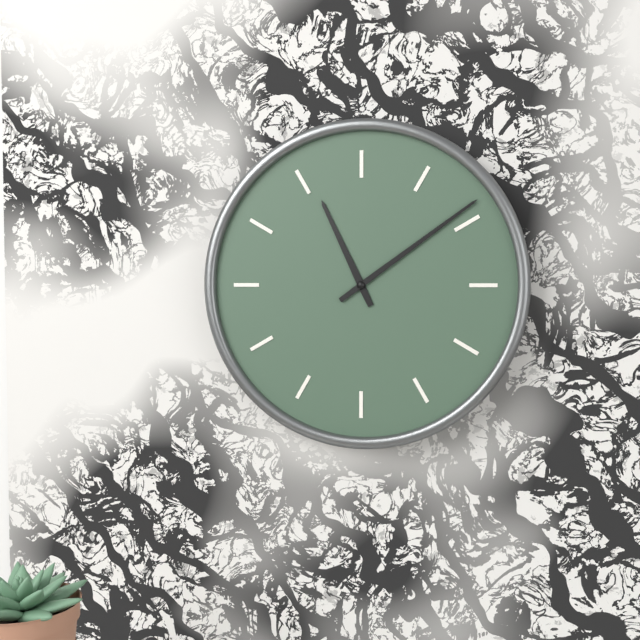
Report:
**11:09**
